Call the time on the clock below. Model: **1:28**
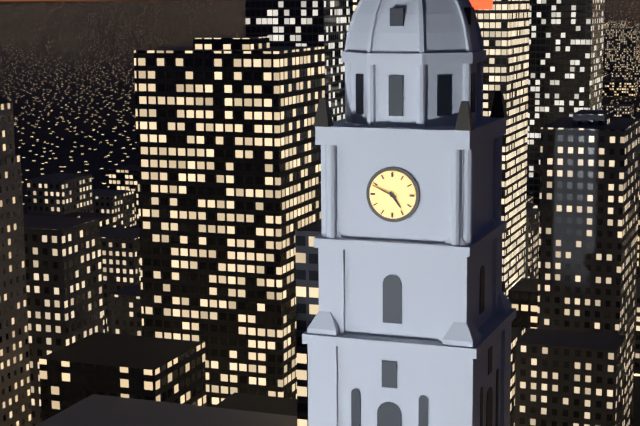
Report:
**4:49**
